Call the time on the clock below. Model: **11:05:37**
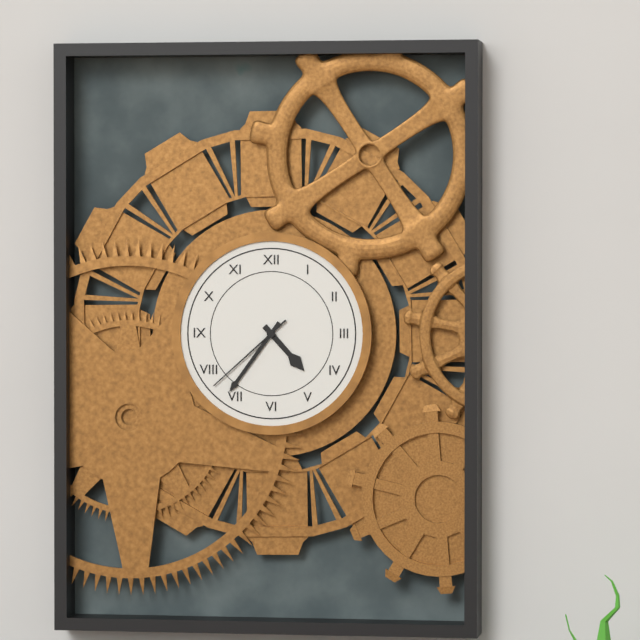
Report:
**4:36:38**
